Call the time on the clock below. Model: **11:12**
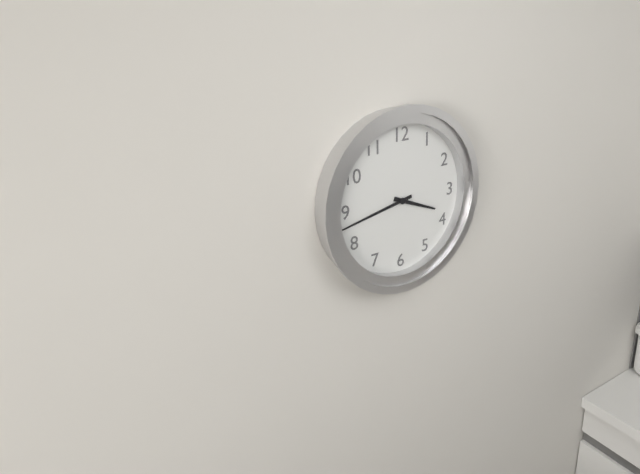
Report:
**3:43**
